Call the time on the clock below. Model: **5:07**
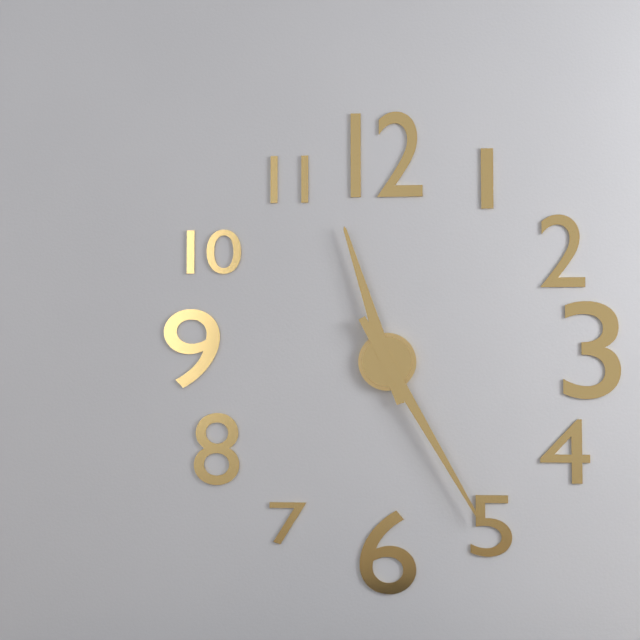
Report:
**11:25**
